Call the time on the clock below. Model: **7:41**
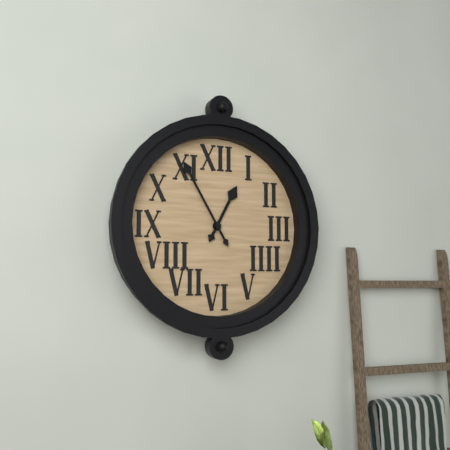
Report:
**12:55**
